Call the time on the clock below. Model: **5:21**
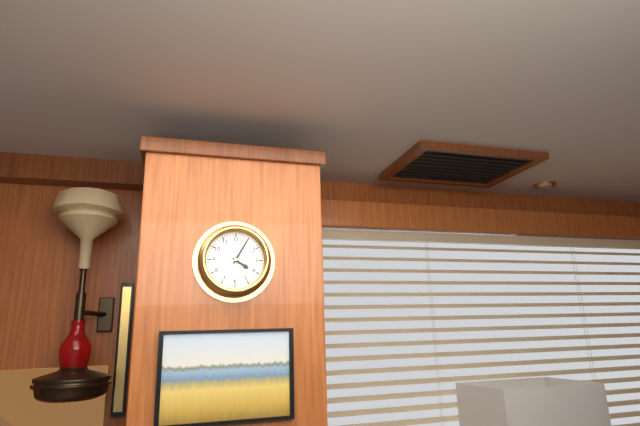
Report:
**4:05**
